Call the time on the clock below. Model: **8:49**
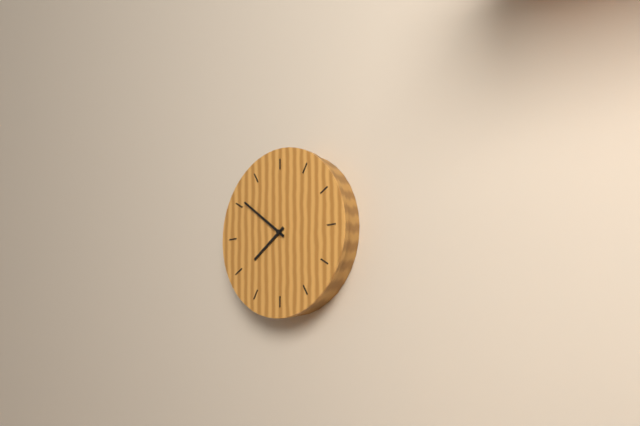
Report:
**7:51**
